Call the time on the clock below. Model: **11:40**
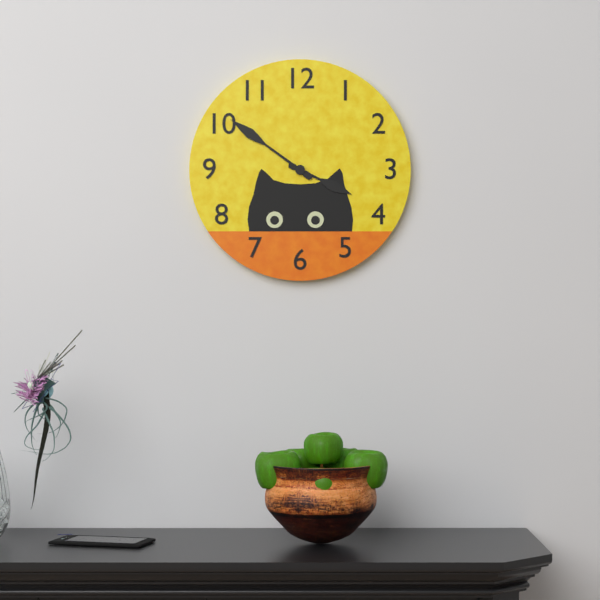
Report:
**3:51**
